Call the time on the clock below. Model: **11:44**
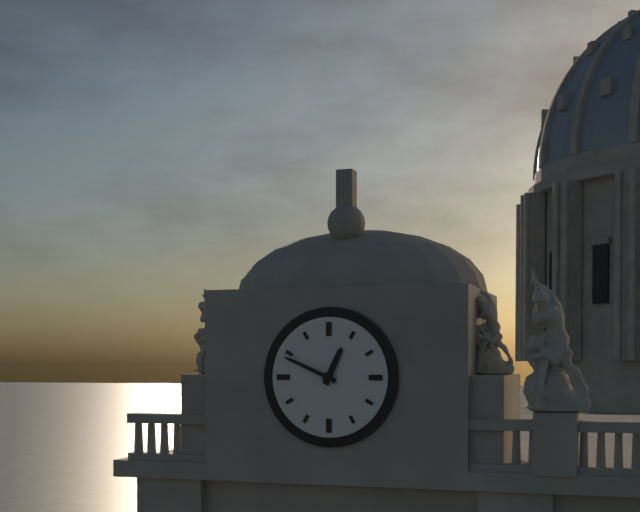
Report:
**12:49**
